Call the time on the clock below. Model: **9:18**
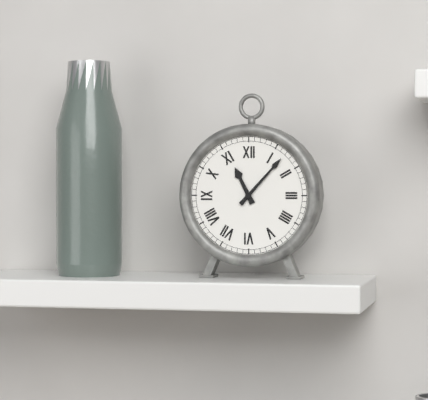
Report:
**11:07**
